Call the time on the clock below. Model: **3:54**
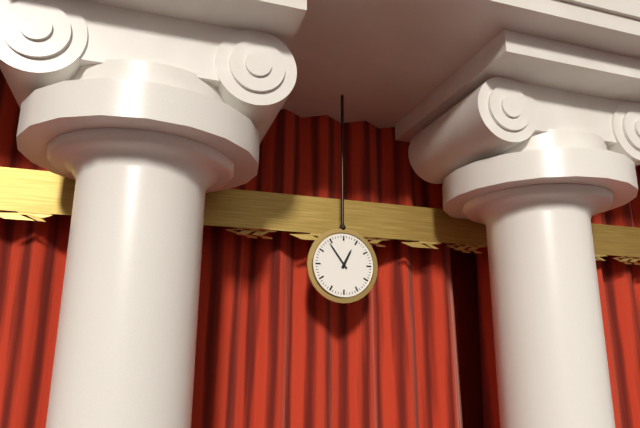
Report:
**12:54**
